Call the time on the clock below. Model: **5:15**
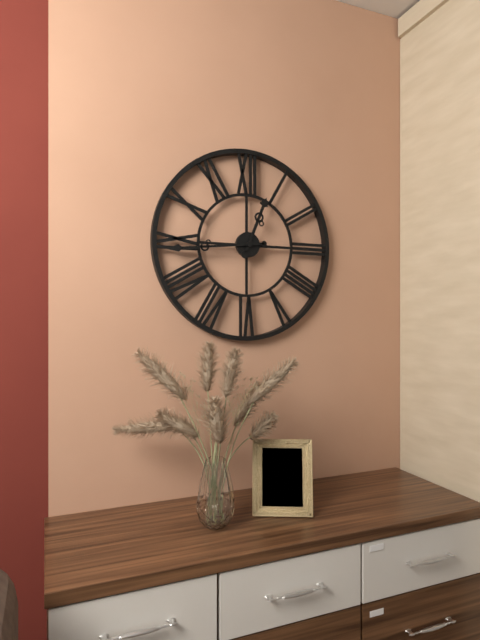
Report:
**12:44**
